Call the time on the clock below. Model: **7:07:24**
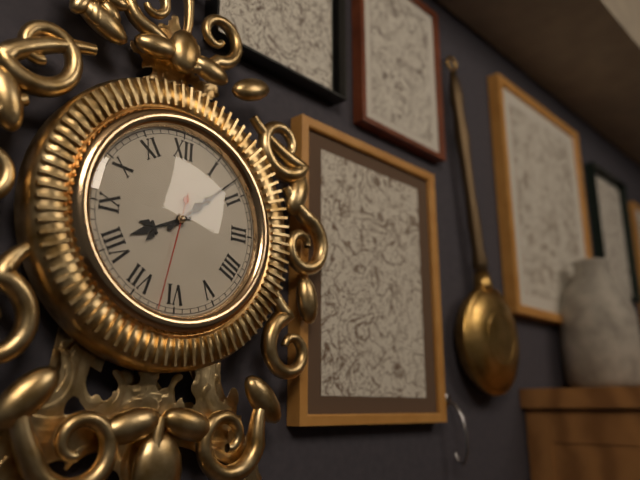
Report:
**8:08:32**
